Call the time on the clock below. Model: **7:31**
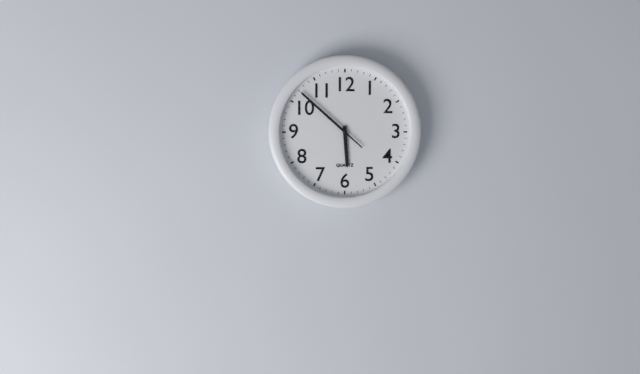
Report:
**5:52**
